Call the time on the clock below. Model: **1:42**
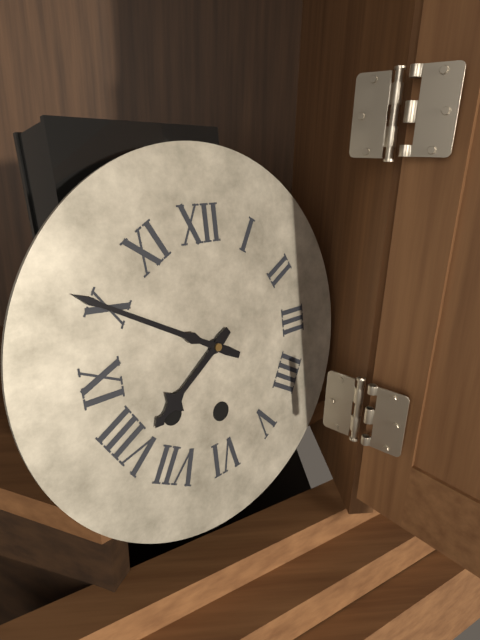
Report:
**7:50**
